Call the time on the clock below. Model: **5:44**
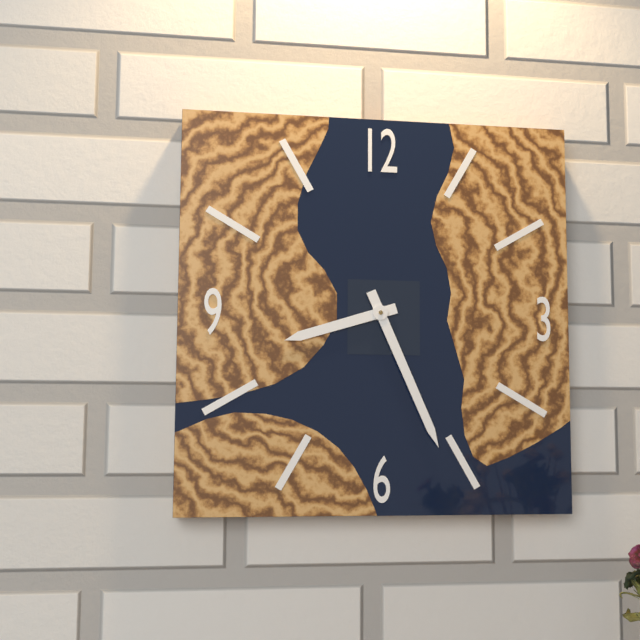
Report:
**8:26**
